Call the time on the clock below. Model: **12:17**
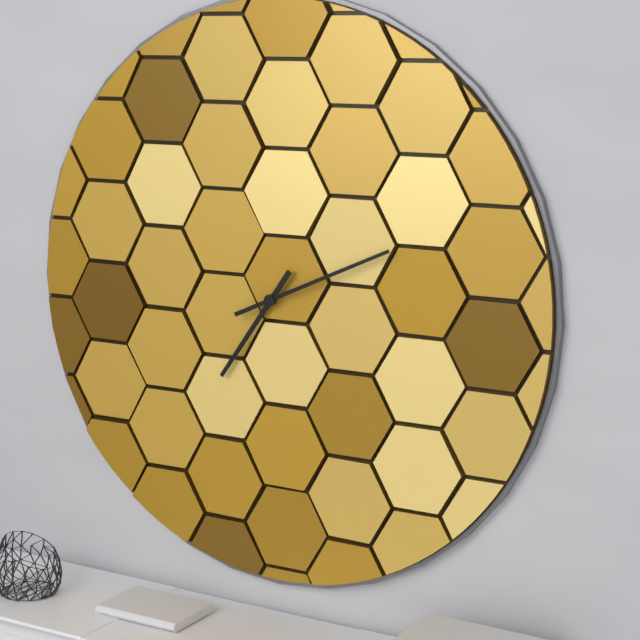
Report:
**7:11**
